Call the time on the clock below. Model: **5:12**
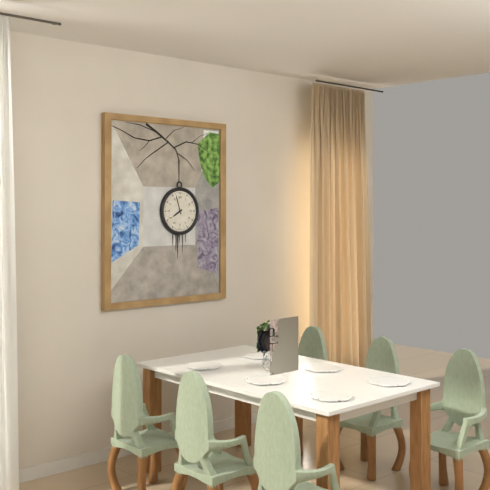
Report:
**7:57**
